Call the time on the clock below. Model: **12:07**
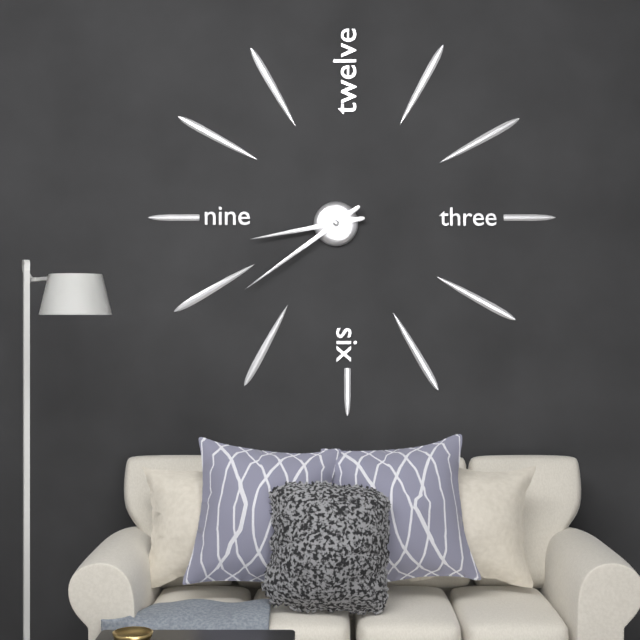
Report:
**8:39**
